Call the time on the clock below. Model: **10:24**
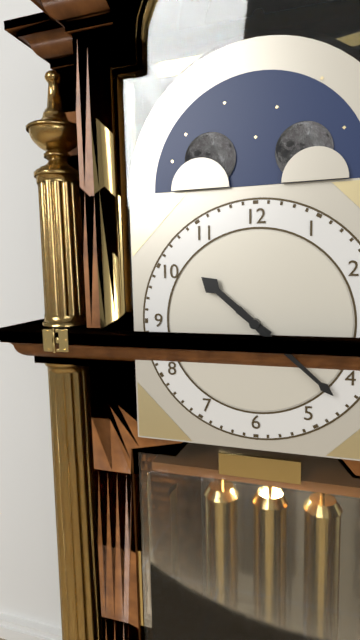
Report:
**10:22**
